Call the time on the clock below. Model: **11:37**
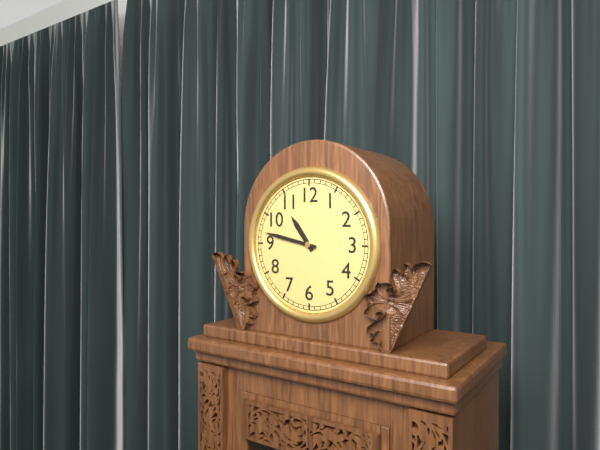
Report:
**10:47**
